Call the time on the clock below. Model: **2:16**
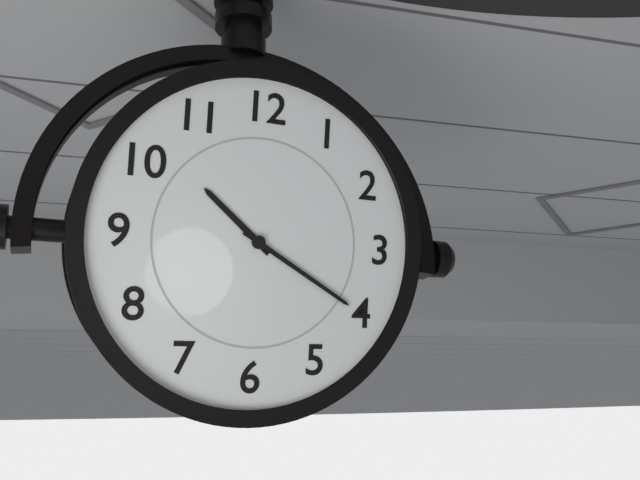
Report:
**10:20**
